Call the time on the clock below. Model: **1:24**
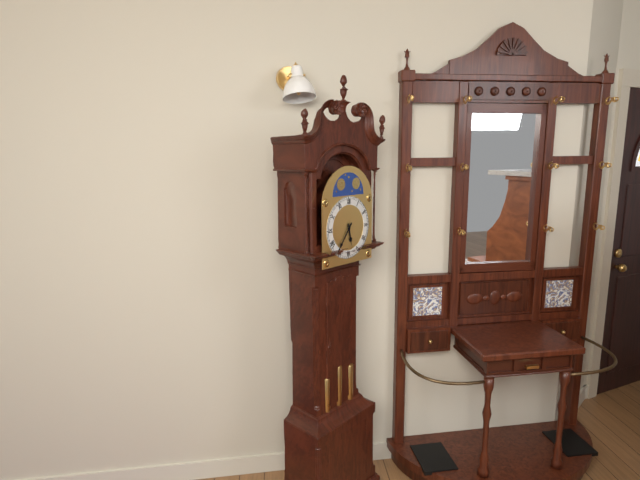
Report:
**5:36**
